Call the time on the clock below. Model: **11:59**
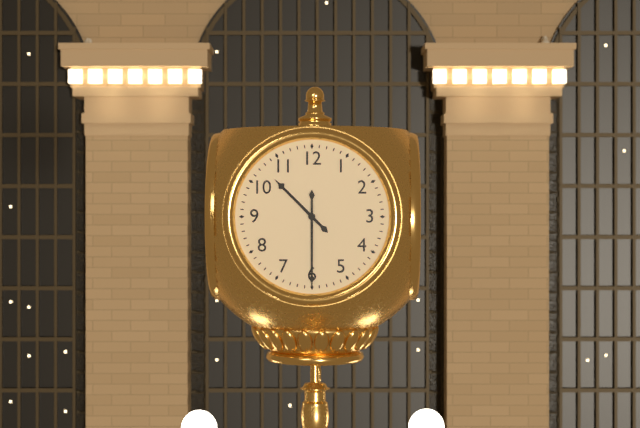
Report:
**10:30**
